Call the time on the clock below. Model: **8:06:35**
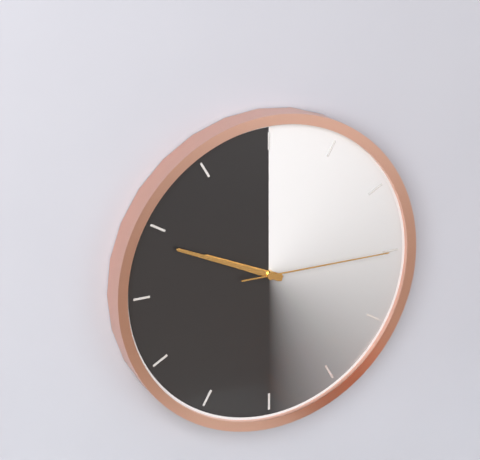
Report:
**9:49:15**
